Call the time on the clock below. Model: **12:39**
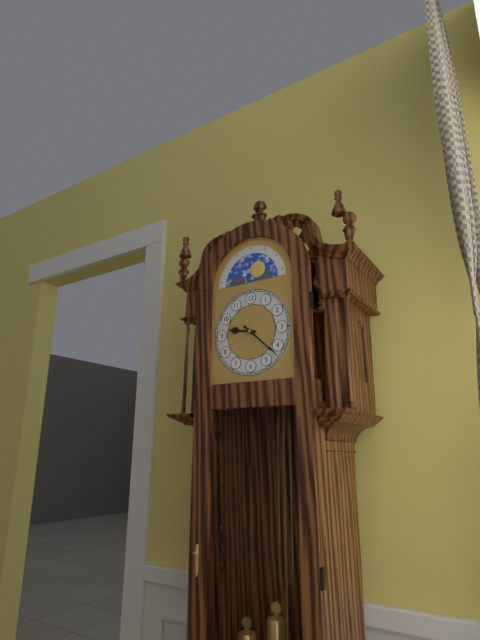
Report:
**9:22**
